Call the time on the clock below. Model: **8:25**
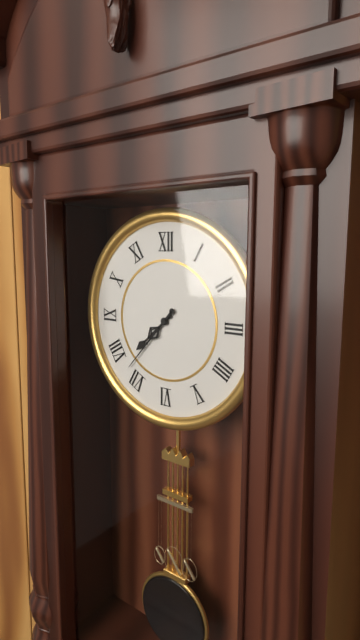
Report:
**7:37**
